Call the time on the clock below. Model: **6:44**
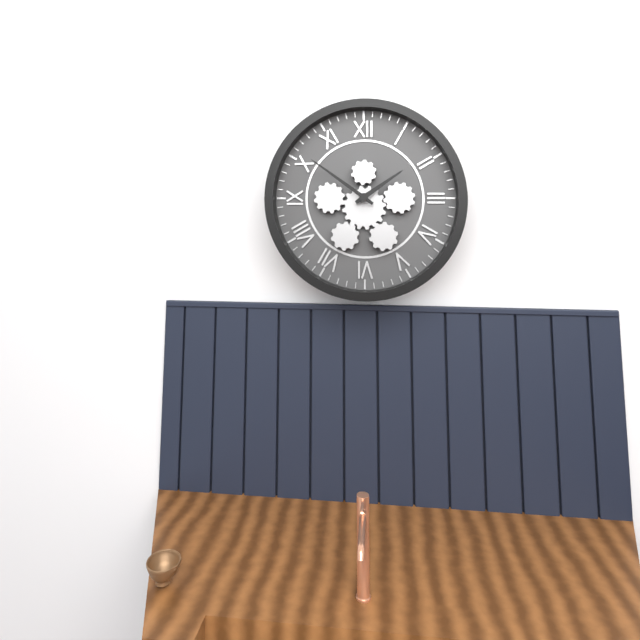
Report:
**1:51**
